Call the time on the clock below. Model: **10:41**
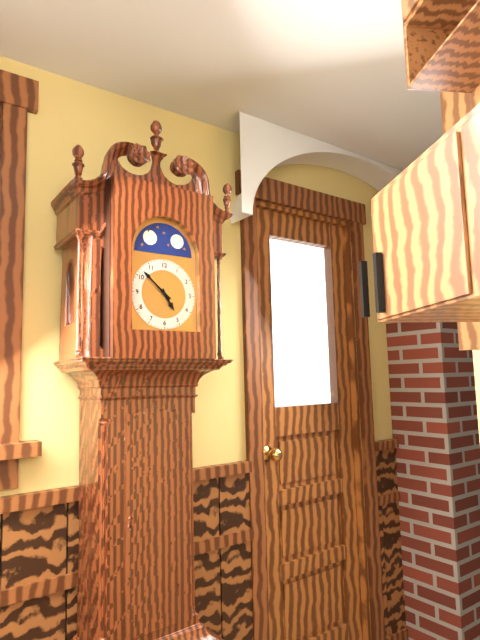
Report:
**4:52**
